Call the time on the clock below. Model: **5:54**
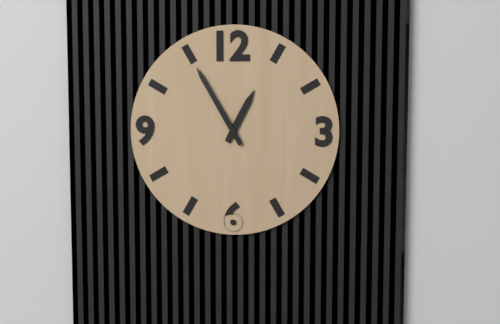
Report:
**12:55**
